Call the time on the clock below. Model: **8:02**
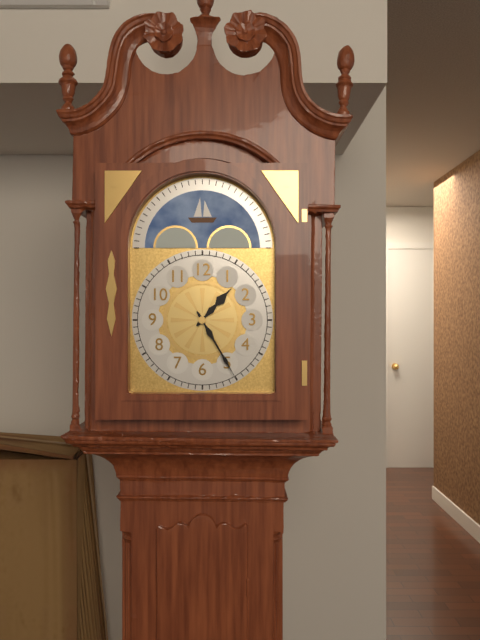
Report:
**1:25**
